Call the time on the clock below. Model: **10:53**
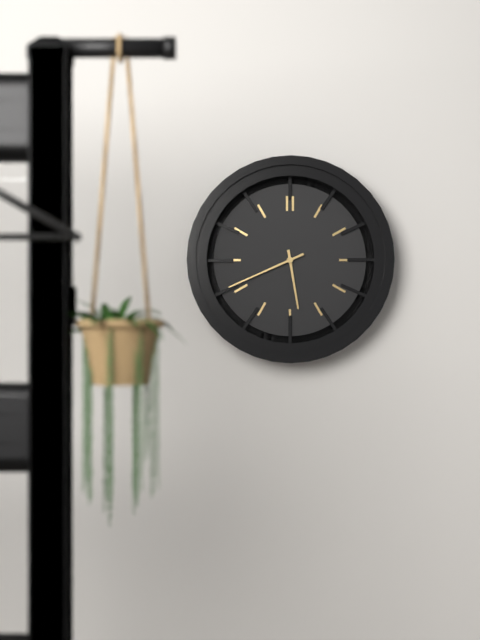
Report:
**5:41**
